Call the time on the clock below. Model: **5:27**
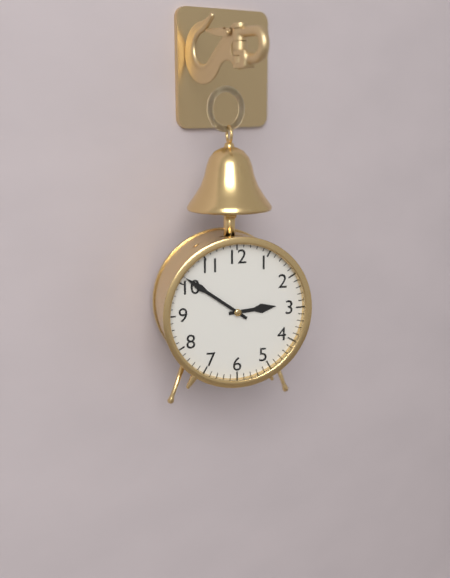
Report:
**2:51**
